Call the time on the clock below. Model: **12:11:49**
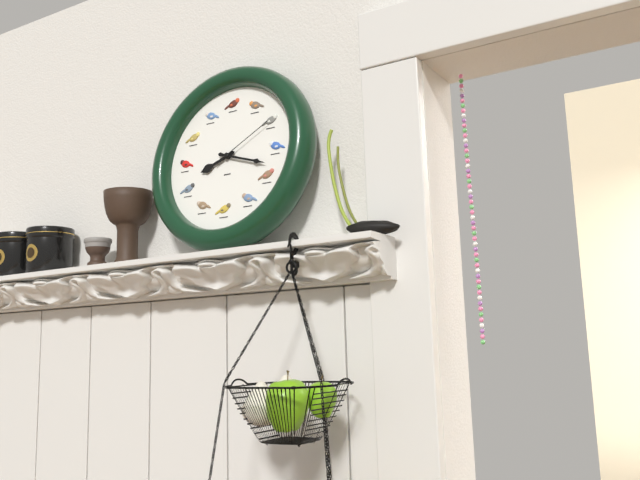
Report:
**8:18:10**
